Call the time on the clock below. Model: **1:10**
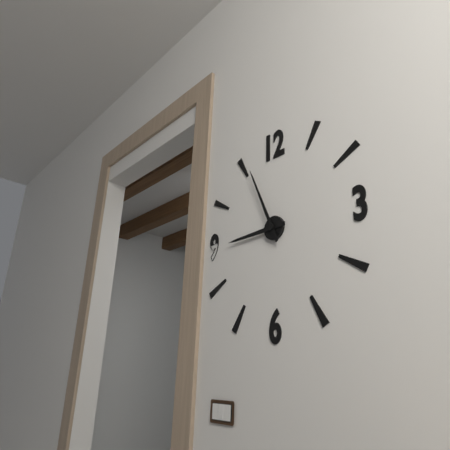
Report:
**8:56**
